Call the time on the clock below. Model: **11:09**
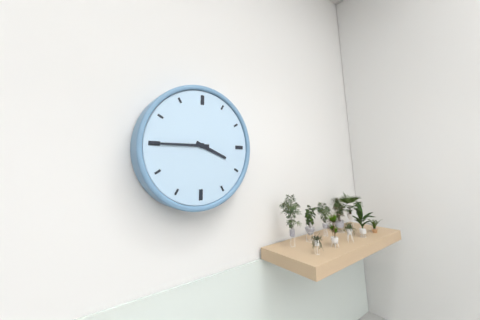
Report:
**3:45**
